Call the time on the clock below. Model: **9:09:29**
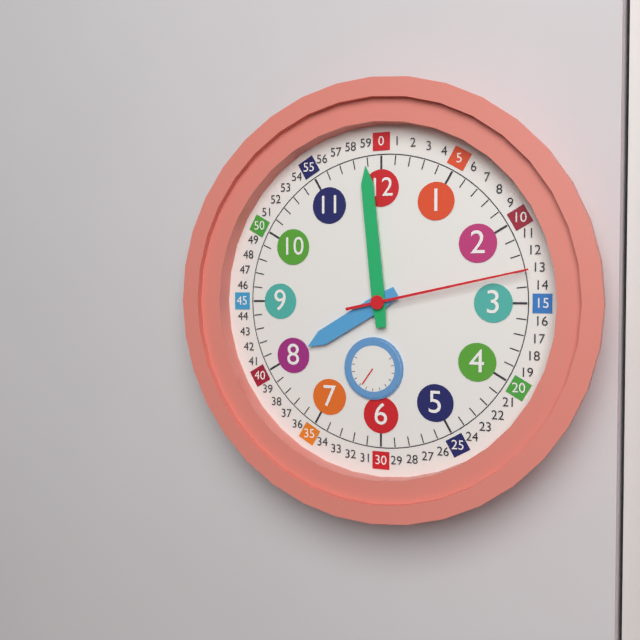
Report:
**7:59:13**
